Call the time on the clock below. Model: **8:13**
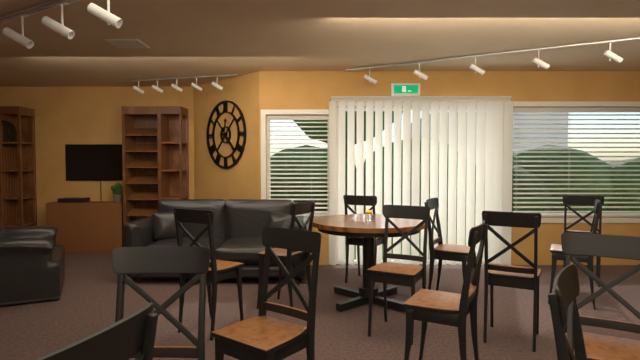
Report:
**12:22**
